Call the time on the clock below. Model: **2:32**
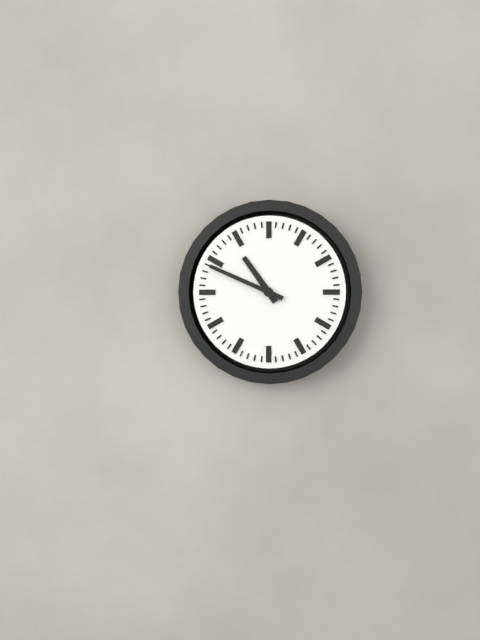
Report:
**10:49**
